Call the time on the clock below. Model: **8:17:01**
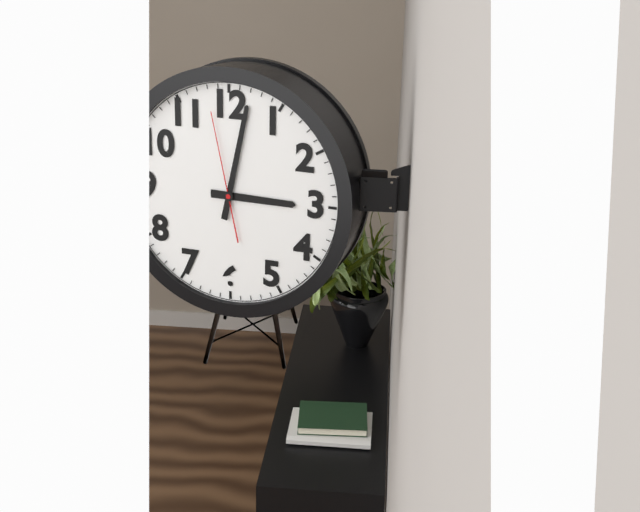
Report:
**3:02:58**
